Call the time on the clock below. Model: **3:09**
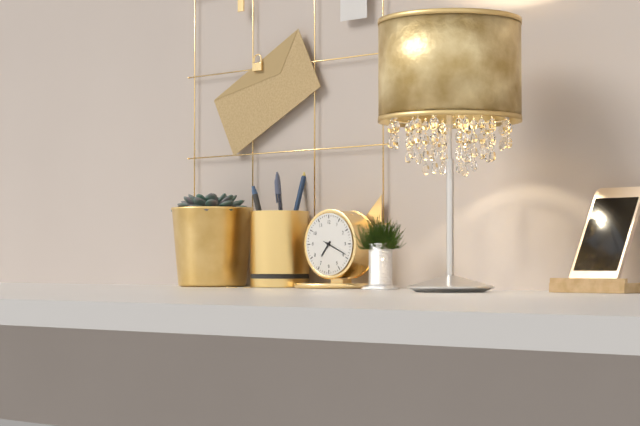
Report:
**7:19**
